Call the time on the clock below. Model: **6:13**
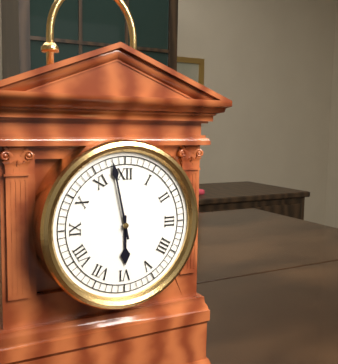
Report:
**5:58**
